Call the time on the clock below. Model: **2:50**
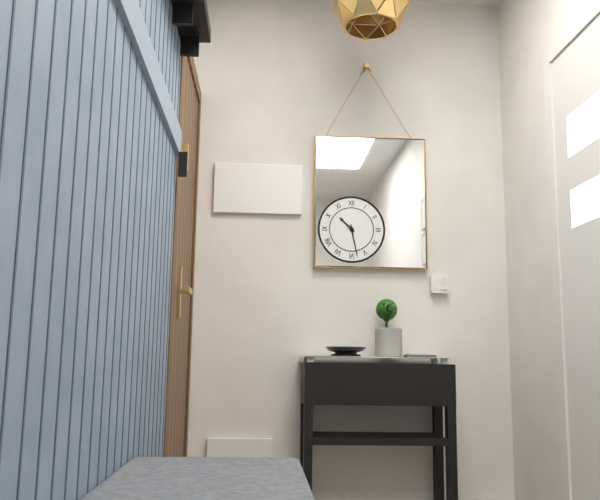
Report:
**10:28**
